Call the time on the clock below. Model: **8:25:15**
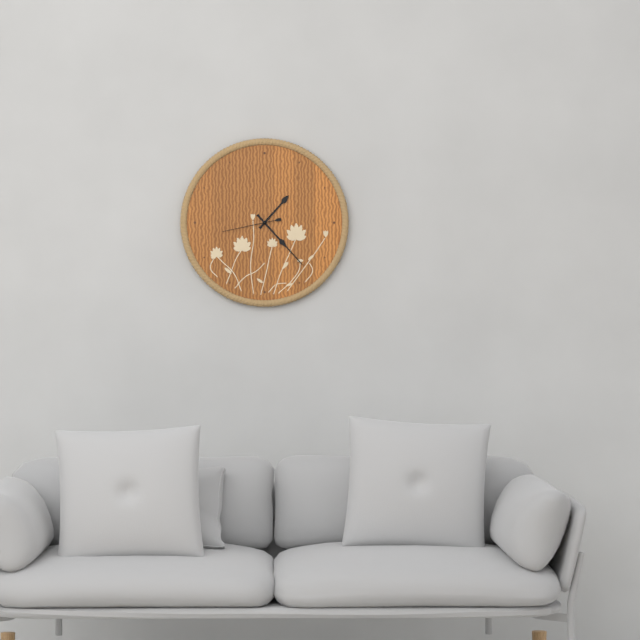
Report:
**1:23:43**
